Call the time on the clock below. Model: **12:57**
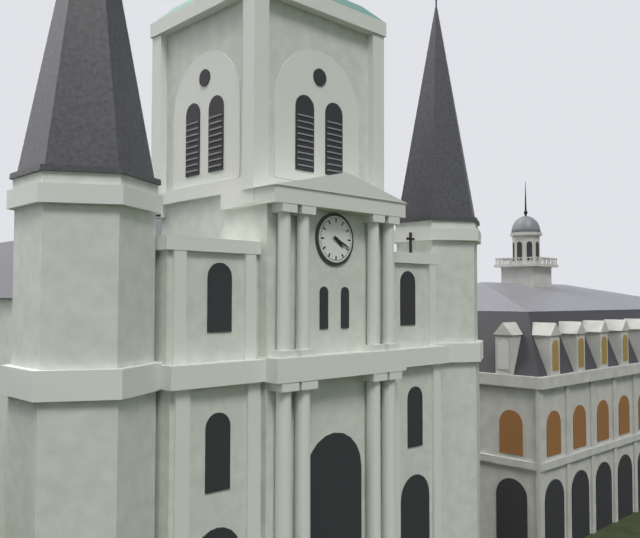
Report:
**4:19**
